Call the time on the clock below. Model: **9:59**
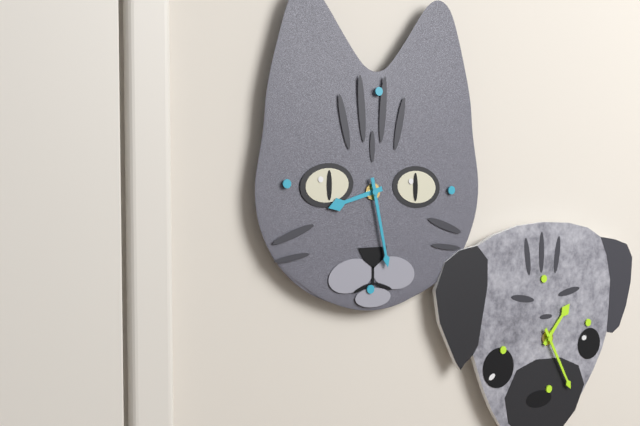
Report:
**8:28**
